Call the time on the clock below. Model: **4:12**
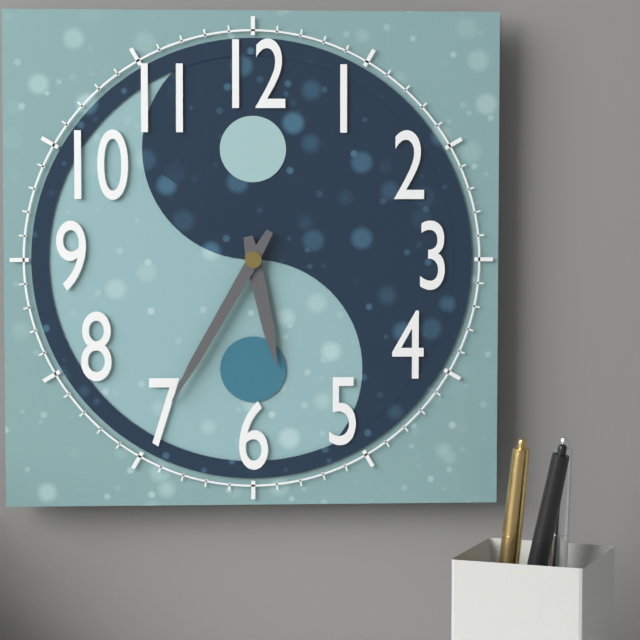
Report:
**5:35**
